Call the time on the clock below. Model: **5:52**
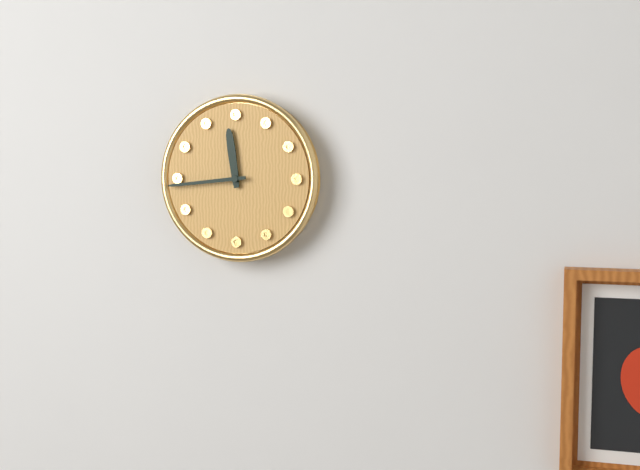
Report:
**11:44**
